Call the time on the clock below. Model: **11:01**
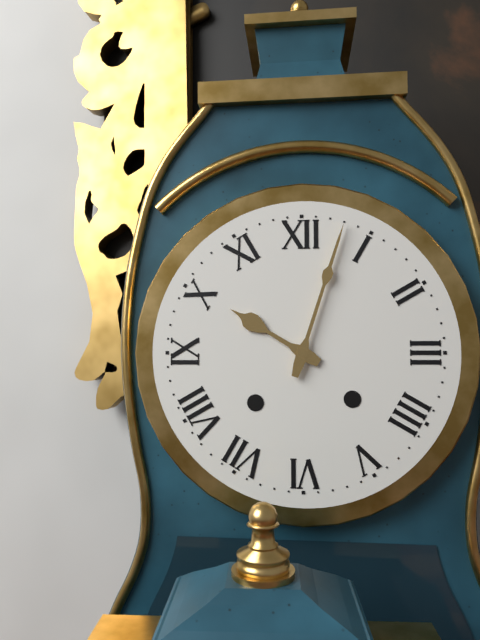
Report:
**10:03**
